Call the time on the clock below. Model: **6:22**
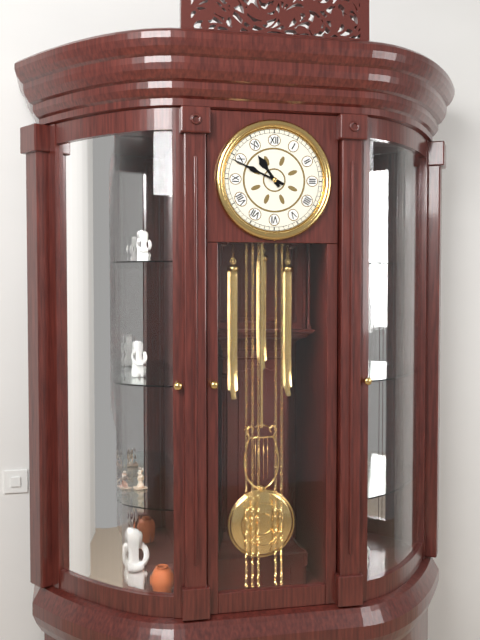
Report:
**10:49**
